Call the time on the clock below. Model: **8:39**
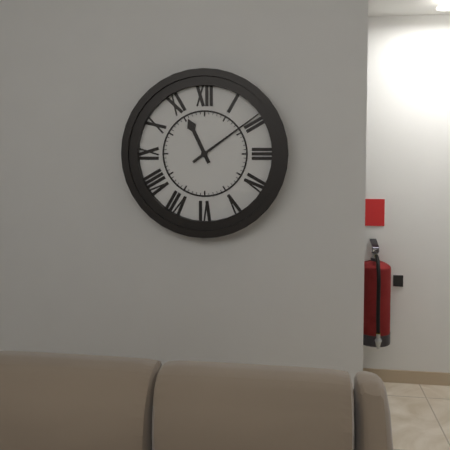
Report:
**11:09**
